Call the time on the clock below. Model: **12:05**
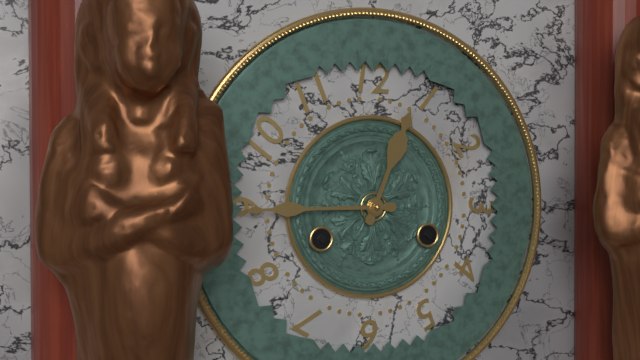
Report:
**12:45**
